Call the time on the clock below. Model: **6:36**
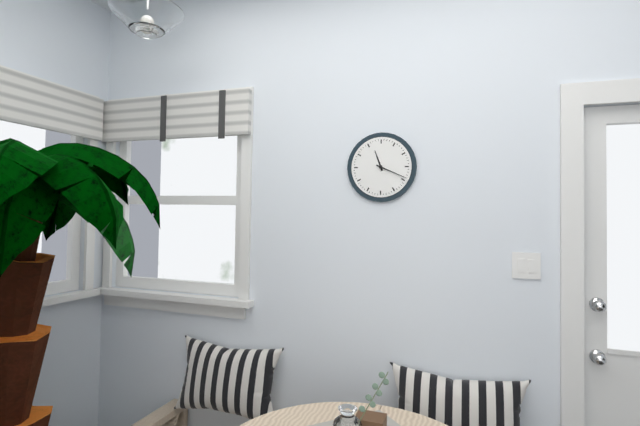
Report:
**11:19**
